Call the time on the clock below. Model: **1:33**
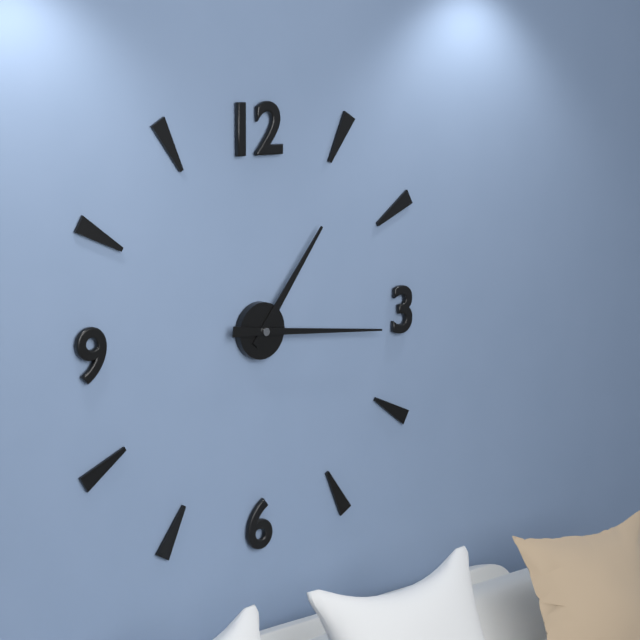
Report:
**1:16**
